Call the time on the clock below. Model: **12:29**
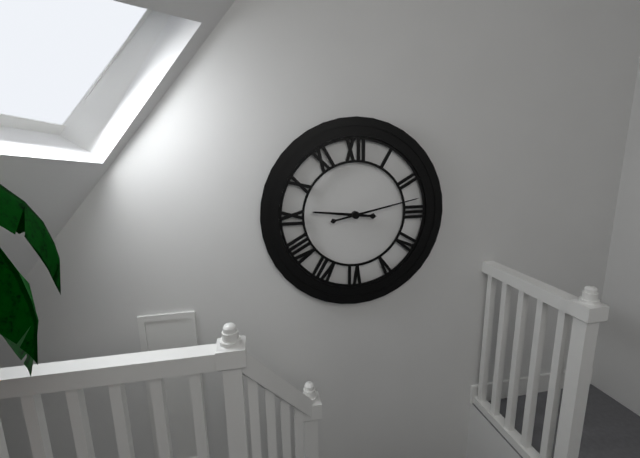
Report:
**9:13**
